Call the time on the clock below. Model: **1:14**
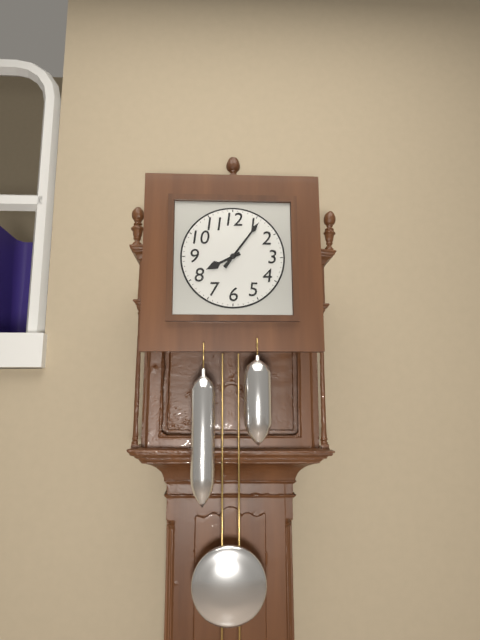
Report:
**8:06**
